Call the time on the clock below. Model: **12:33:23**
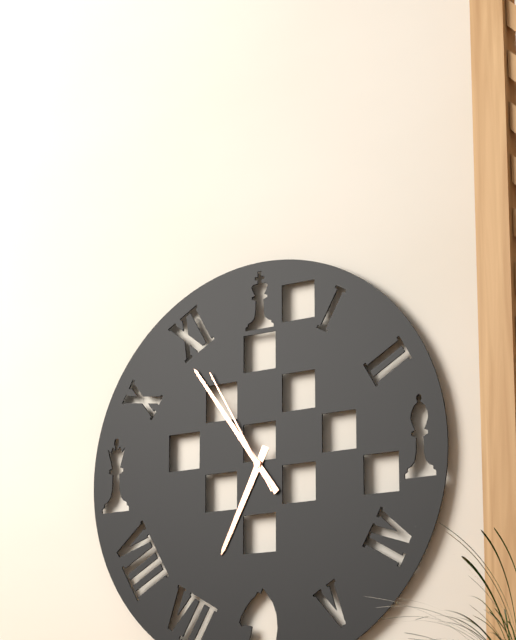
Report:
**6:54:55**
